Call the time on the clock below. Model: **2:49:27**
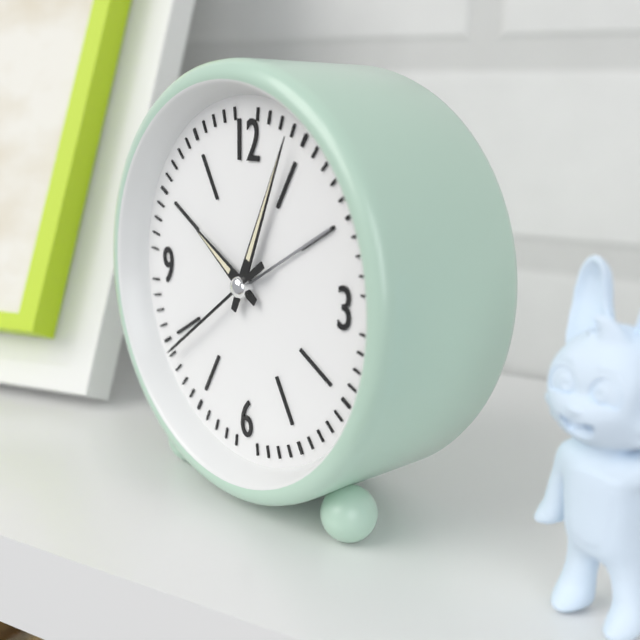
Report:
**10:04:39**
